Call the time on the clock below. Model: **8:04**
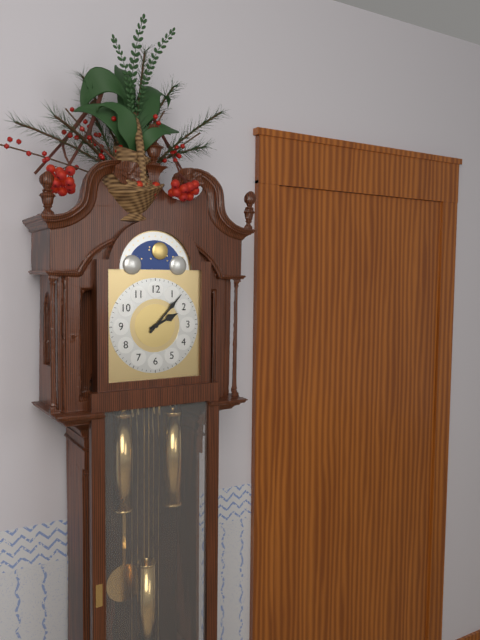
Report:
**2:07**
